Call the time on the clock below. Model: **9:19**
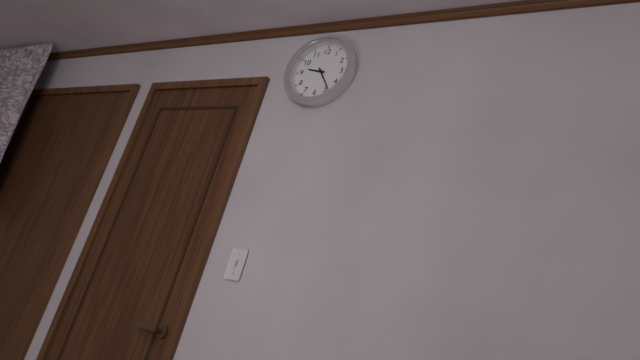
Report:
**9:24**
